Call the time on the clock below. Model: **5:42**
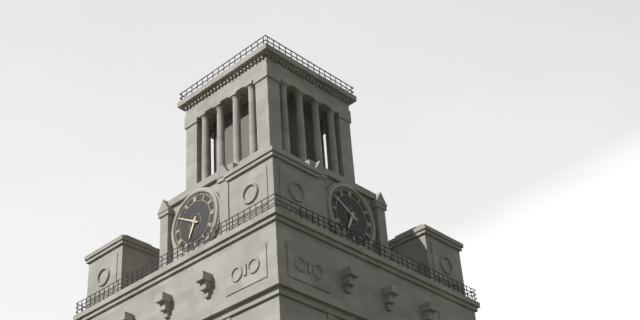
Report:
**6:50**
